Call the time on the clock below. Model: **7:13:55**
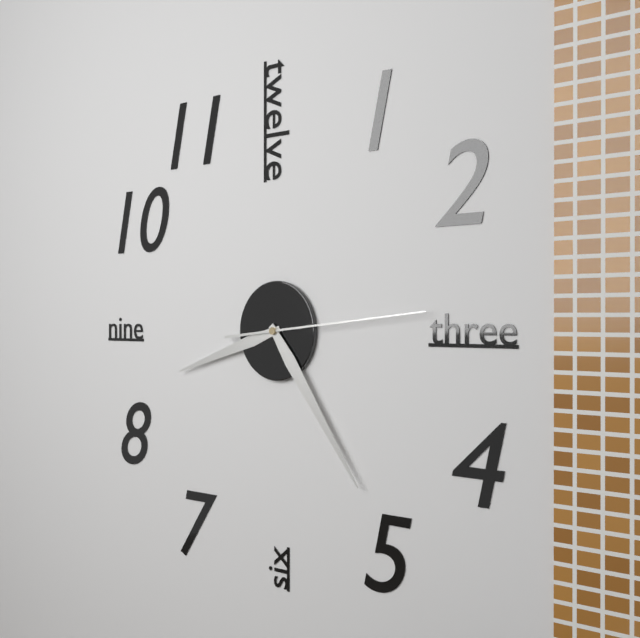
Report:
**8:24:14**
